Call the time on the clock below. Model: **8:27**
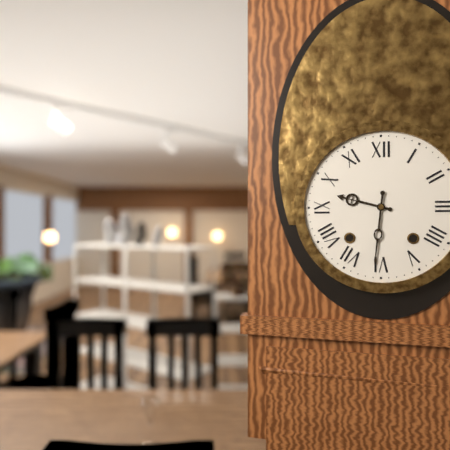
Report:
**9:31**
